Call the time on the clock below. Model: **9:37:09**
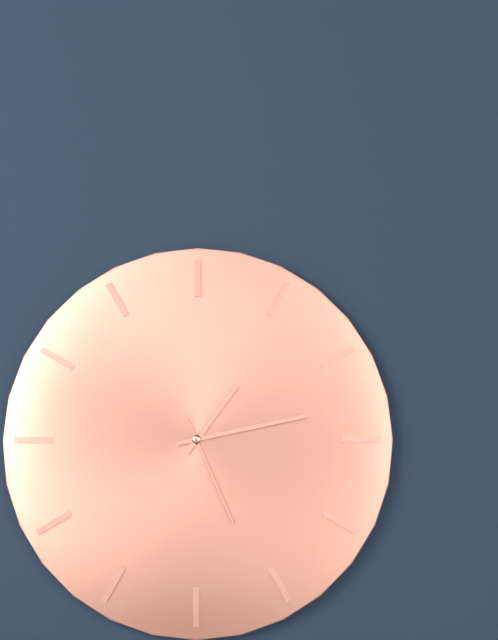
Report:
**1:13:26**
